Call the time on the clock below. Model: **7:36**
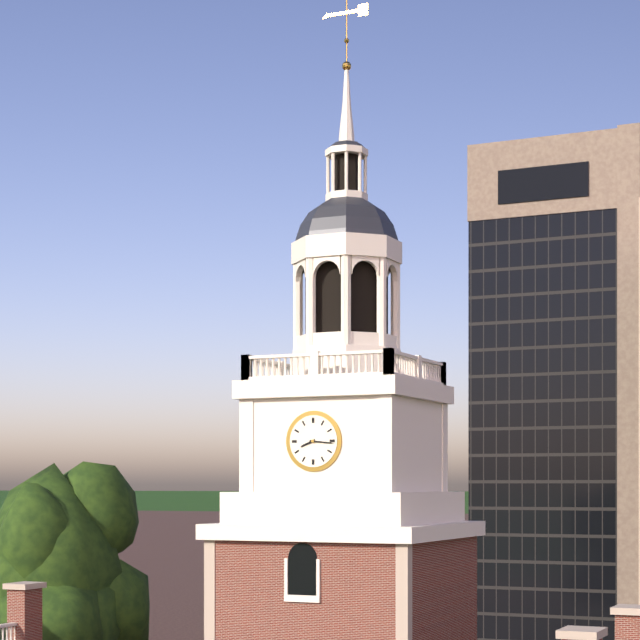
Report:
**8:16**
